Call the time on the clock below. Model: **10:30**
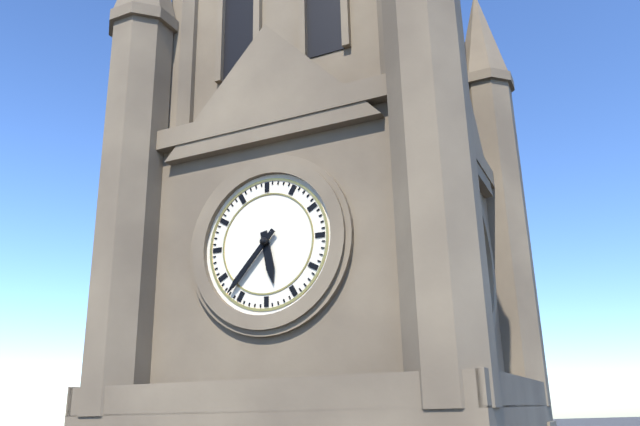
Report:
**5:37**
